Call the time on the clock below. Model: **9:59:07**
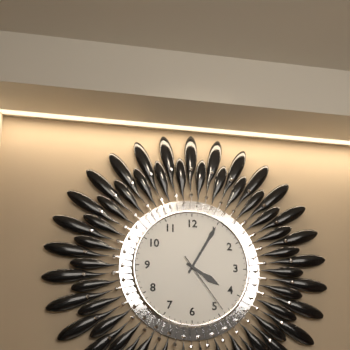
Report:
**4:05:24**
